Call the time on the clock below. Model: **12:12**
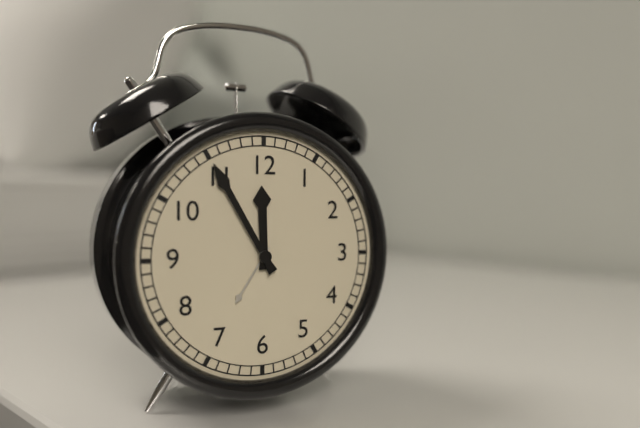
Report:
**11:55**
